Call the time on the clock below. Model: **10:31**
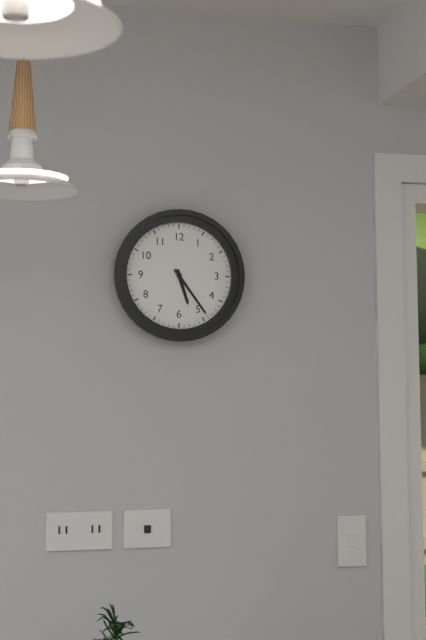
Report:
**5:24**
